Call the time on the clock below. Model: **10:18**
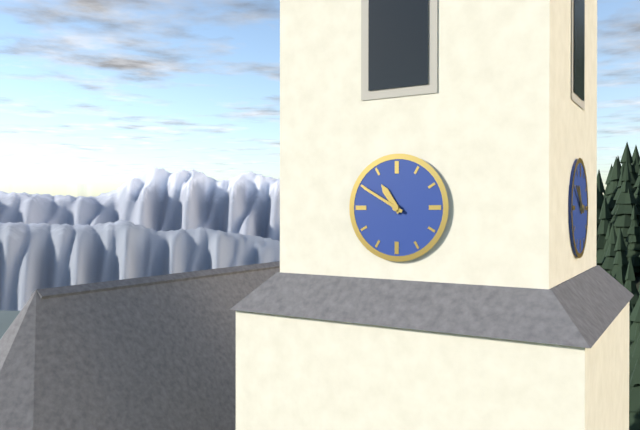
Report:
**10:50**
